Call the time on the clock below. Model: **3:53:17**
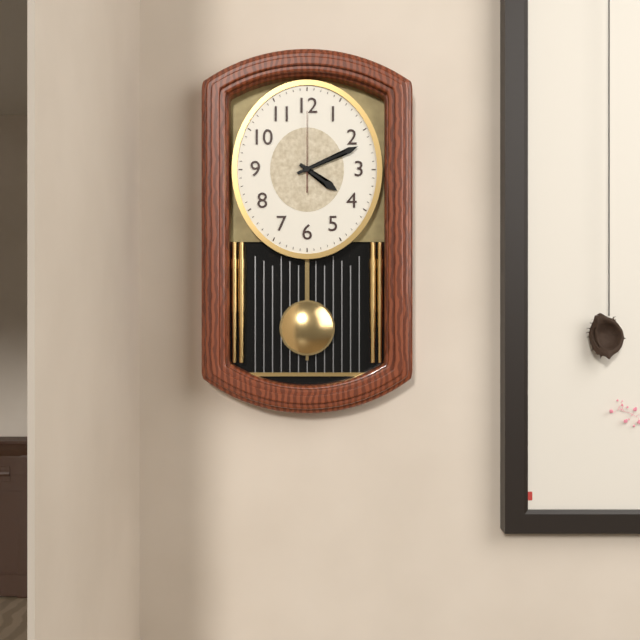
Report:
**4:11:00**
